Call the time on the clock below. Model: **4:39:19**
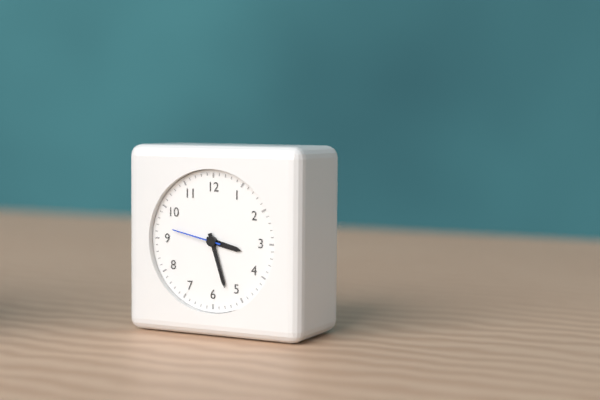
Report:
**3:27:47**
